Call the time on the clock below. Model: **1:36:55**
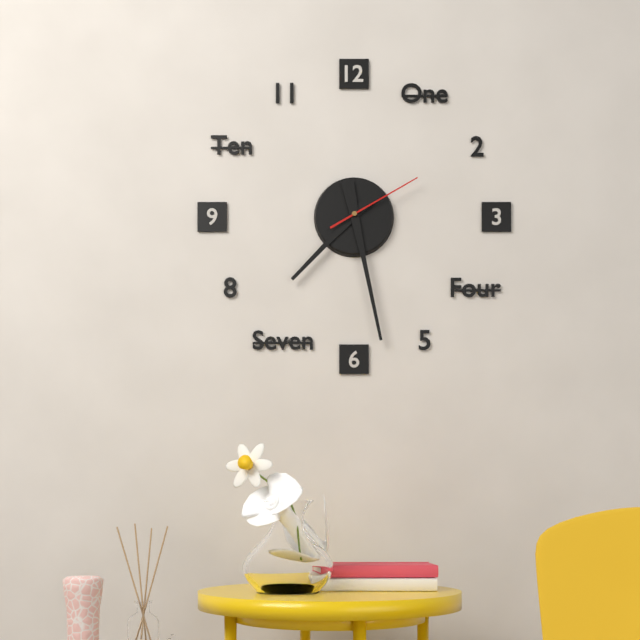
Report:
**7:28:10**
